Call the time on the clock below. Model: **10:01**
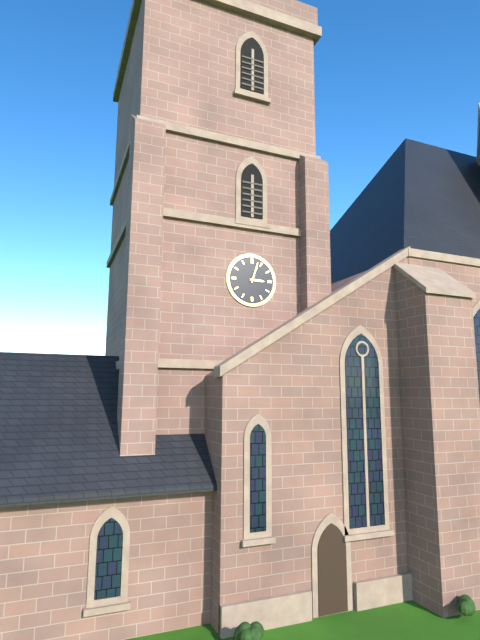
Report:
**3:03**
